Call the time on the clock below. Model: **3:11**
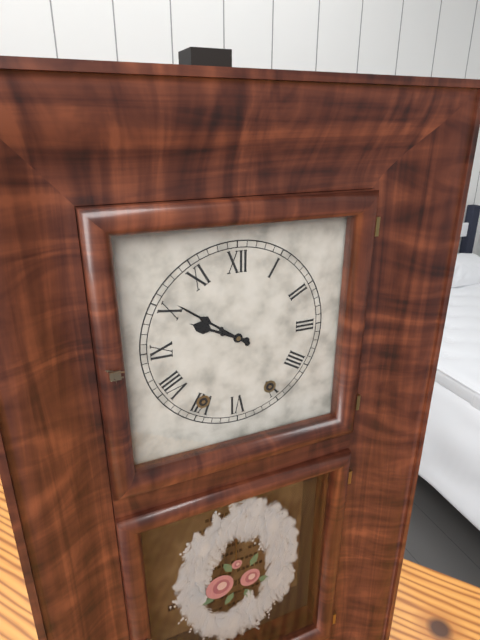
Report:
**9:51**
